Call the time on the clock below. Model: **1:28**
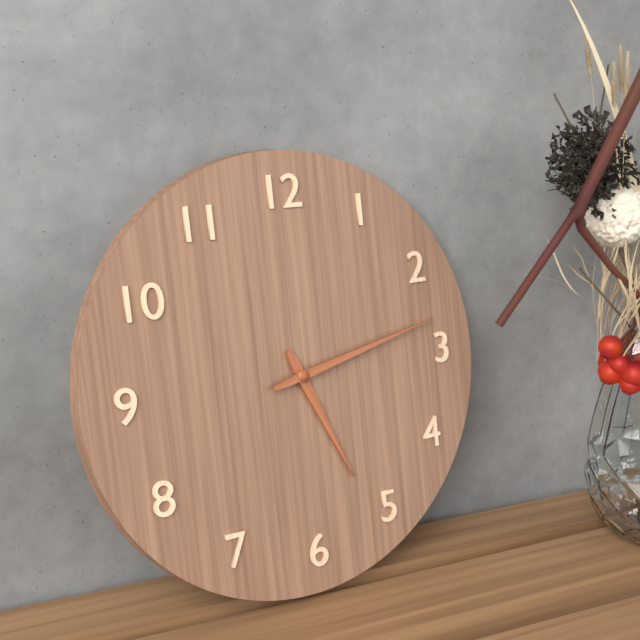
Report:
**5:13**
